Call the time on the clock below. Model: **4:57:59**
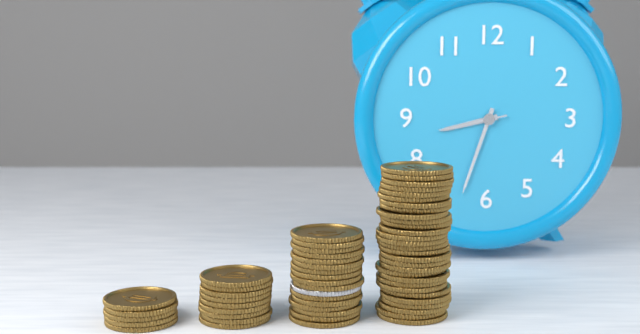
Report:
**8:33:43**
